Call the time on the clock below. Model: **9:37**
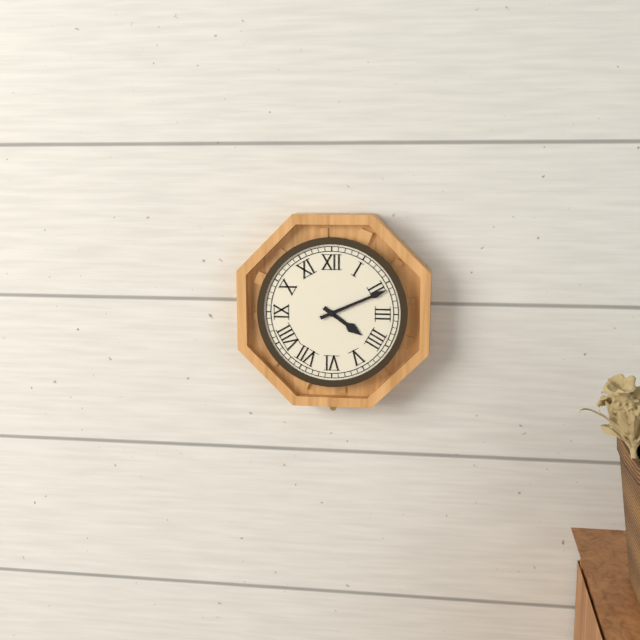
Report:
**4:11**
